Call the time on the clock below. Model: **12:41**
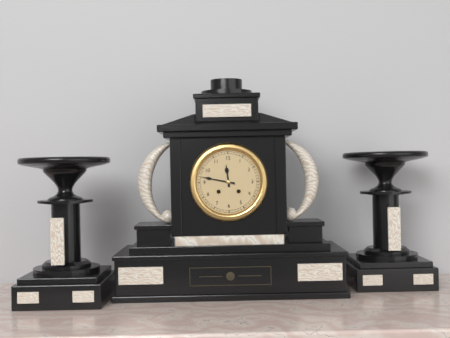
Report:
**11:47**
